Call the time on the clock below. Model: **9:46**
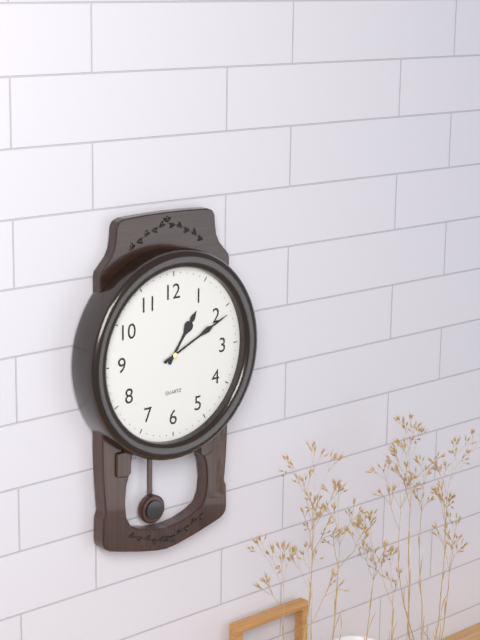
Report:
**1:11**
